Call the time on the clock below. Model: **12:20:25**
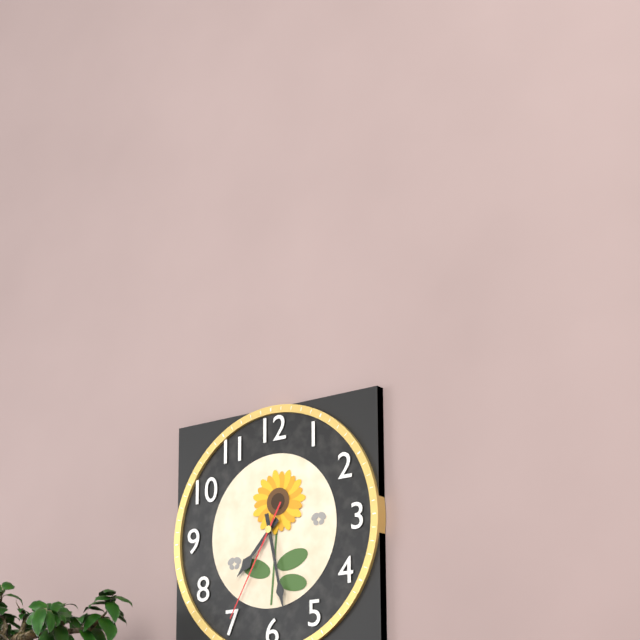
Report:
**7:28:35**
